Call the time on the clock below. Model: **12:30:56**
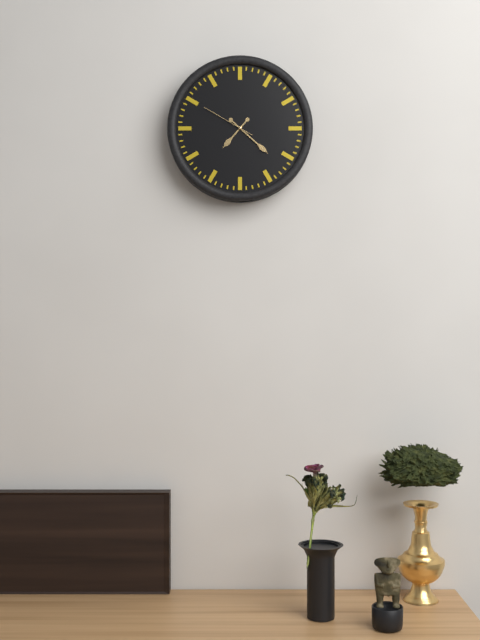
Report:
**7:22:50**
